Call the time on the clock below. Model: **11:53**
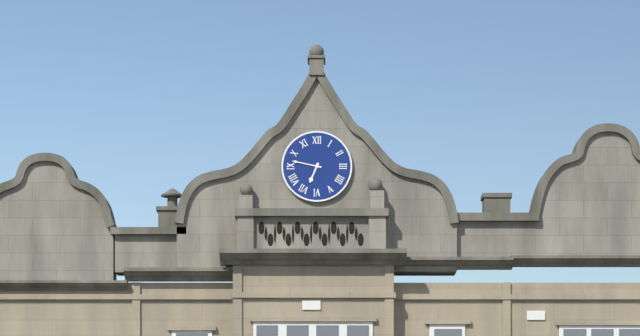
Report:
**6:47**
